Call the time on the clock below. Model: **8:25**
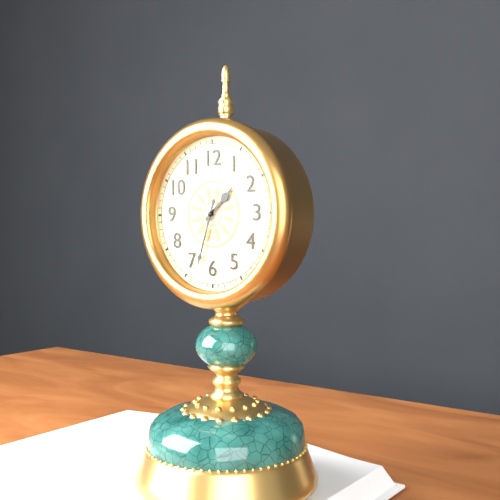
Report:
**1:33**
